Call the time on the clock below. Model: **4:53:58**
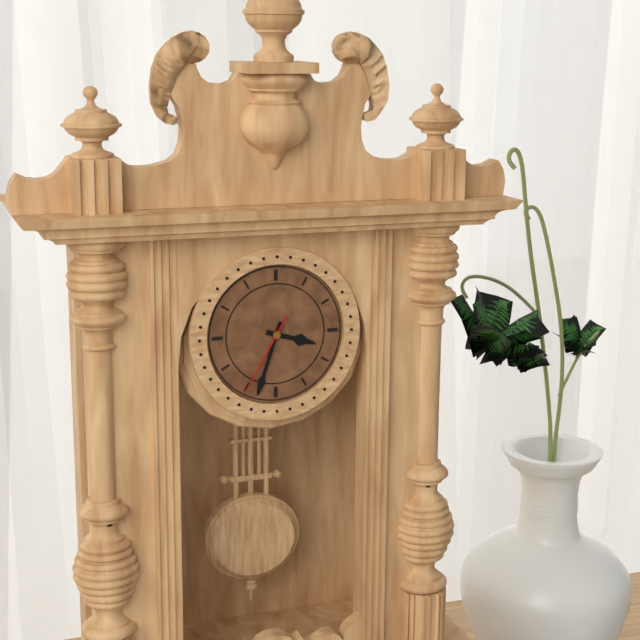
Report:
**3:33:35**
